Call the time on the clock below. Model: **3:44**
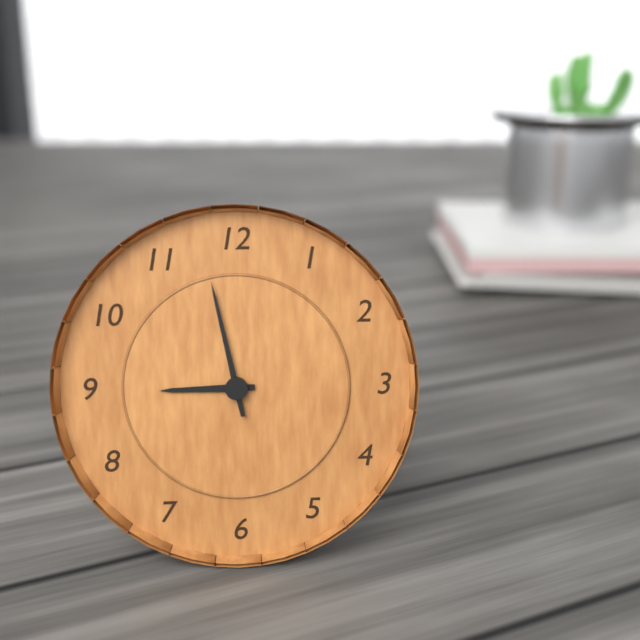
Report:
**8:58**
